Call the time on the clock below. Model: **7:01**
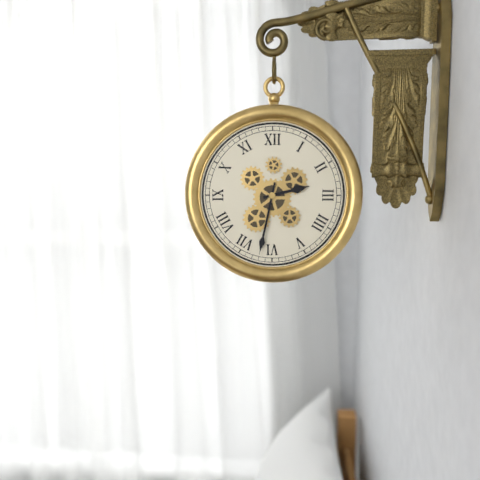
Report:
**2:32**
